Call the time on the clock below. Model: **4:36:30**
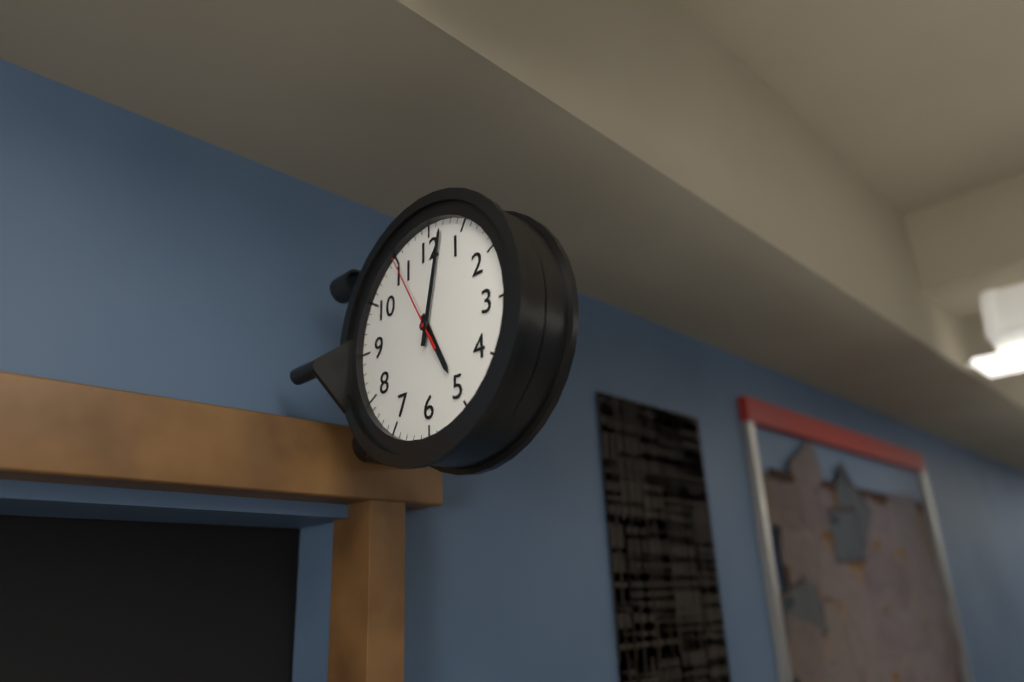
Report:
**5:02:55**
